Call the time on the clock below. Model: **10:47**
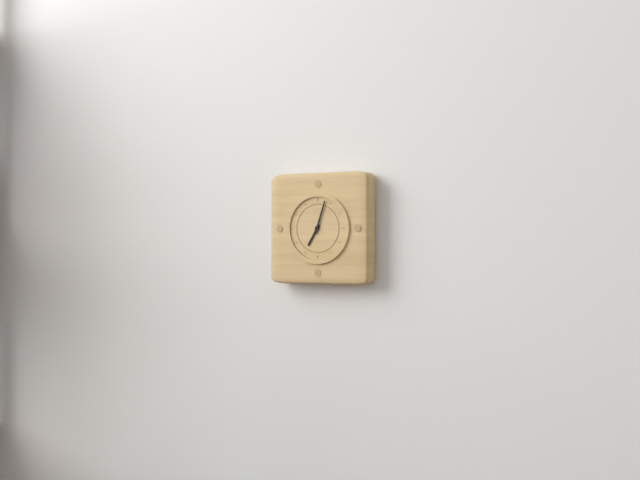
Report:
**7:03**
